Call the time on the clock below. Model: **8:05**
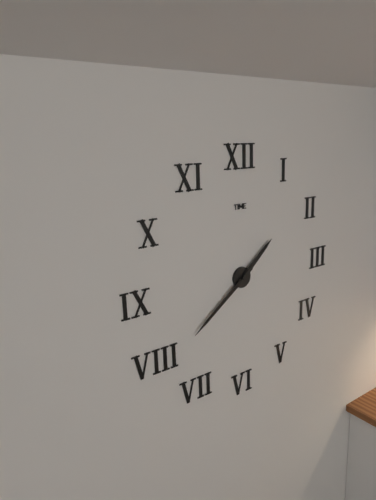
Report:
**1:39**
